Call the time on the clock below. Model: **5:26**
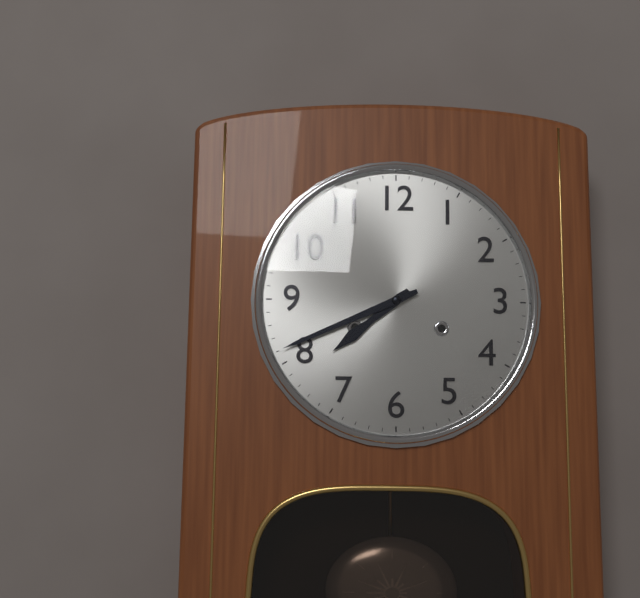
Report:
**7:41**
